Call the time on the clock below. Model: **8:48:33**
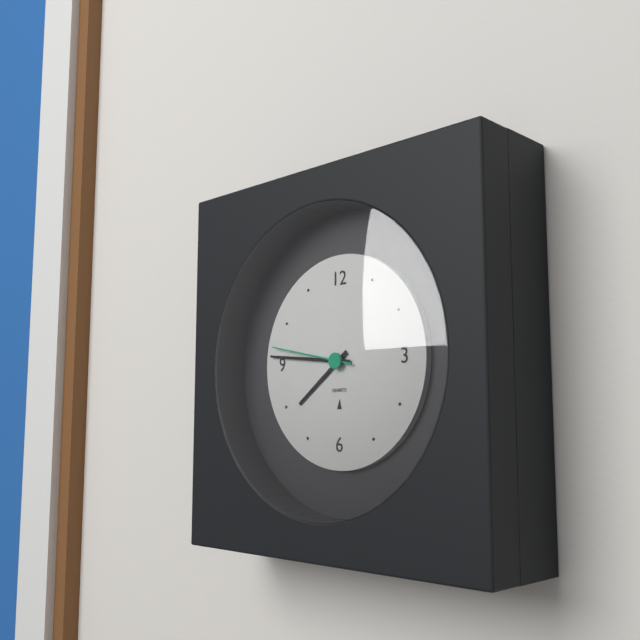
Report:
**7:46:47**
